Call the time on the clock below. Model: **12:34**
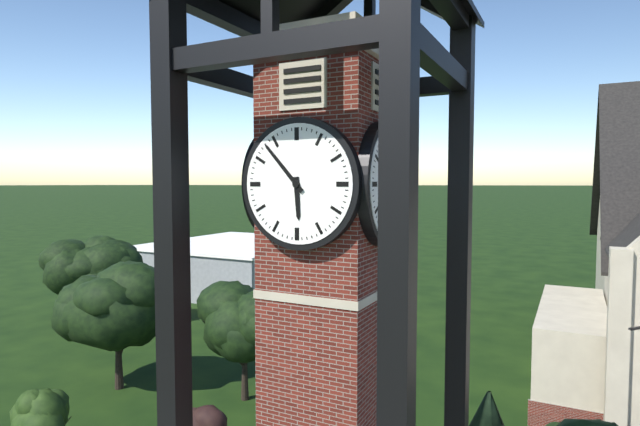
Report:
**5:53**
